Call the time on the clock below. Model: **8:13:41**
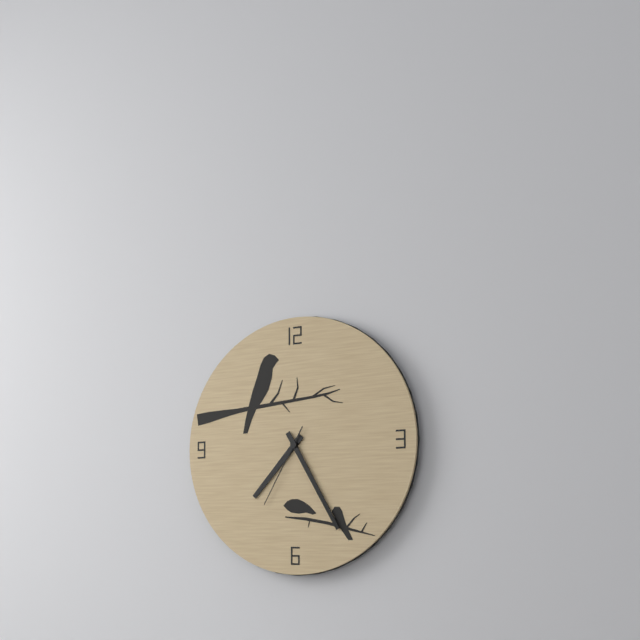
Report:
**7:25:35**
